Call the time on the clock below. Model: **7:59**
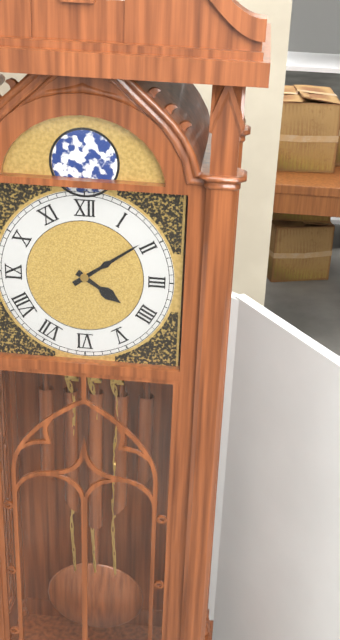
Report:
**4:09**
